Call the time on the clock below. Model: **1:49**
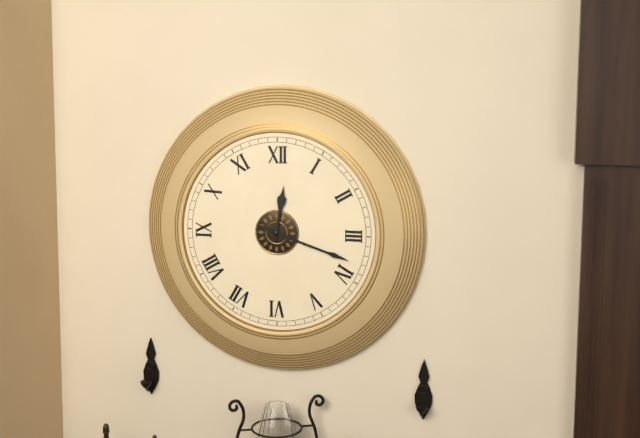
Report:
**12:18**
